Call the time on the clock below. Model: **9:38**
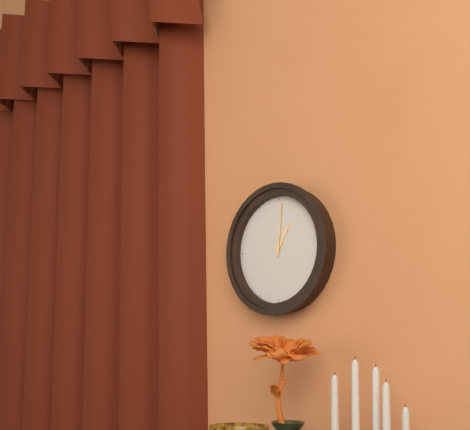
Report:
**1:01**
